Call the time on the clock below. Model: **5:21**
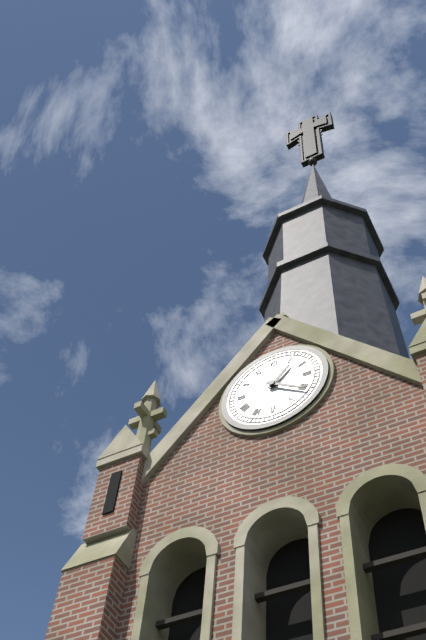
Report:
**1:21**
